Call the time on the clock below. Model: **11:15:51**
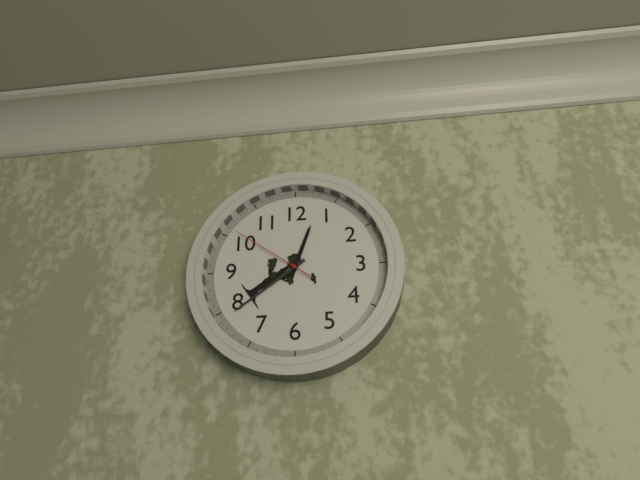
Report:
**12:39:51**
